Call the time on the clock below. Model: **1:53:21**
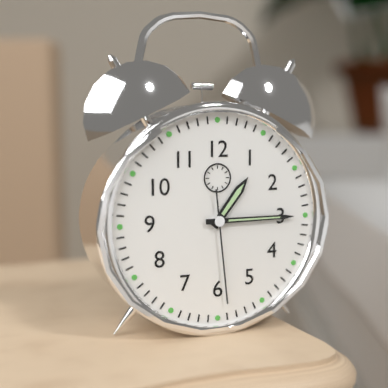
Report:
**1:15:29**
